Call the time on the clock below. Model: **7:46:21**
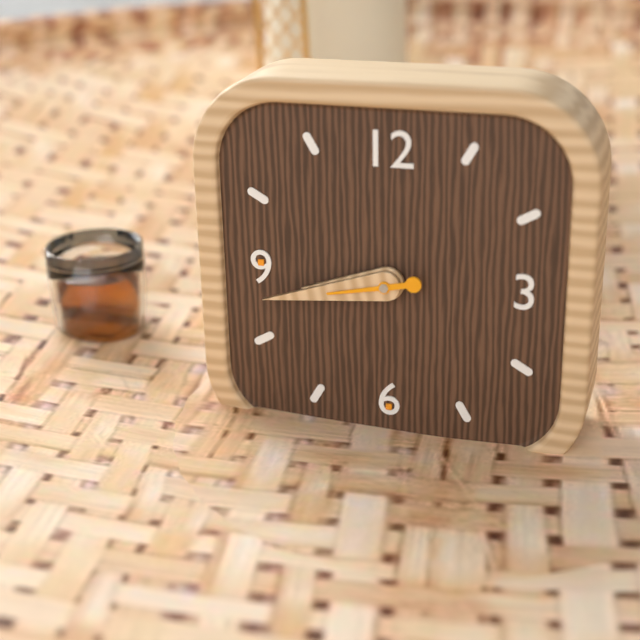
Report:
**8:43:43**
